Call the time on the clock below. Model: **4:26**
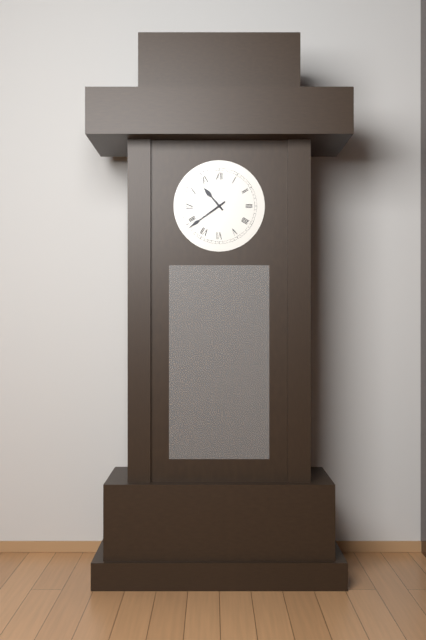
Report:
**10:39**
